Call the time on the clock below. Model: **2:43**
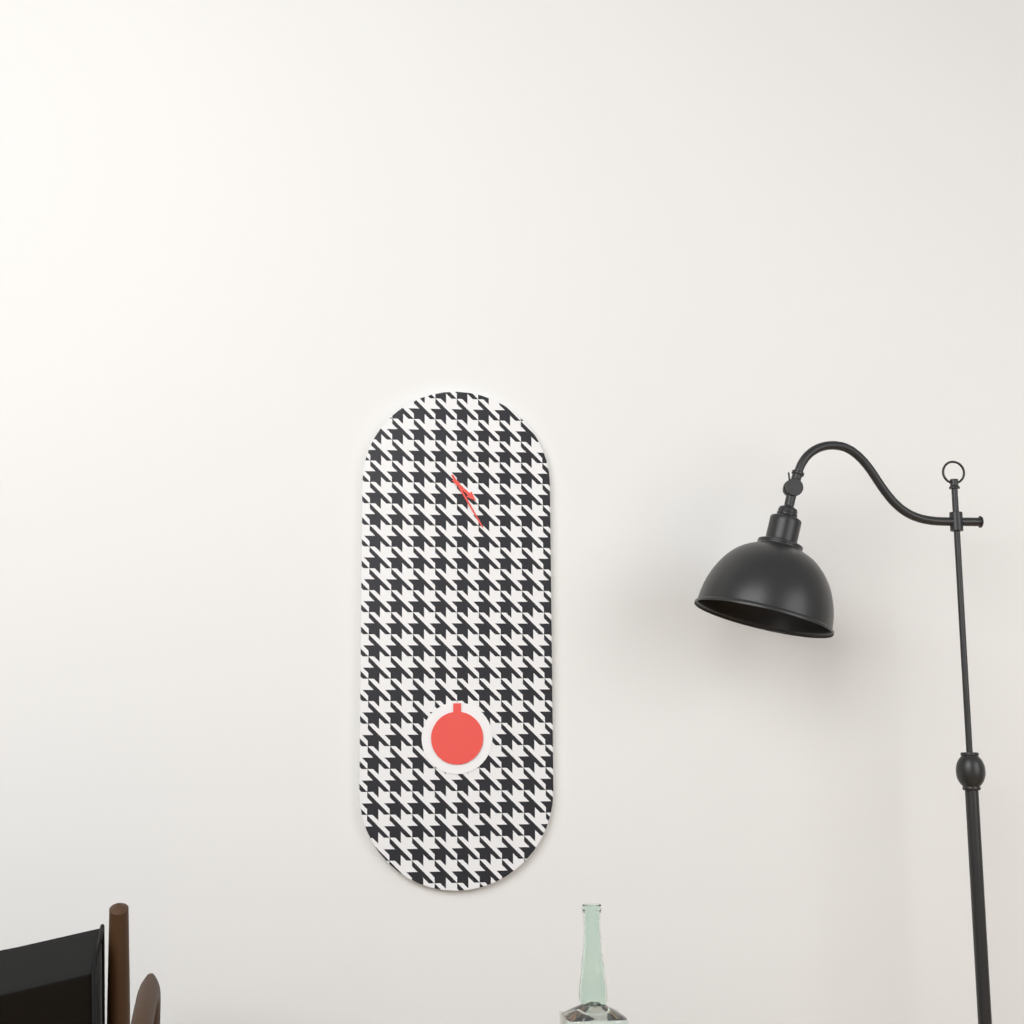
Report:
**4:25**
